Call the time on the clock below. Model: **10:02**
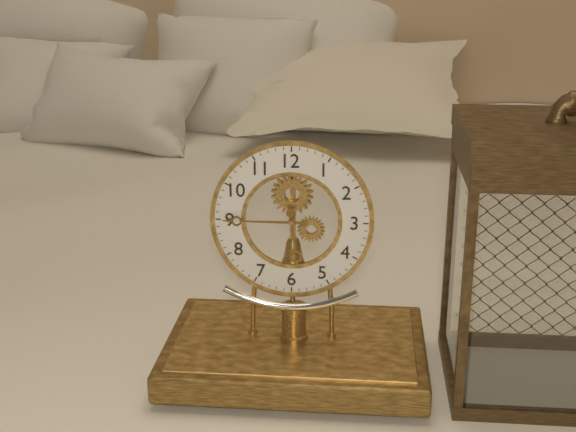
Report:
**5:45**
